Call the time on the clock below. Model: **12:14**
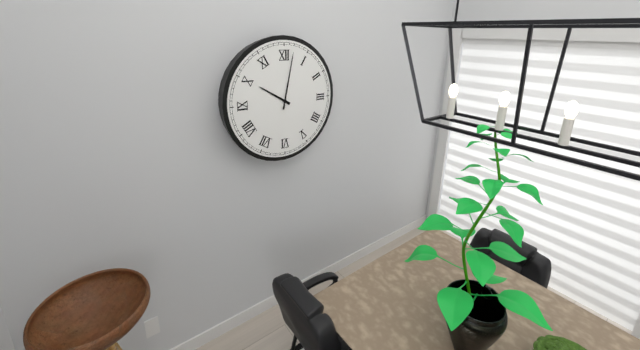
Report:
**10:02**
